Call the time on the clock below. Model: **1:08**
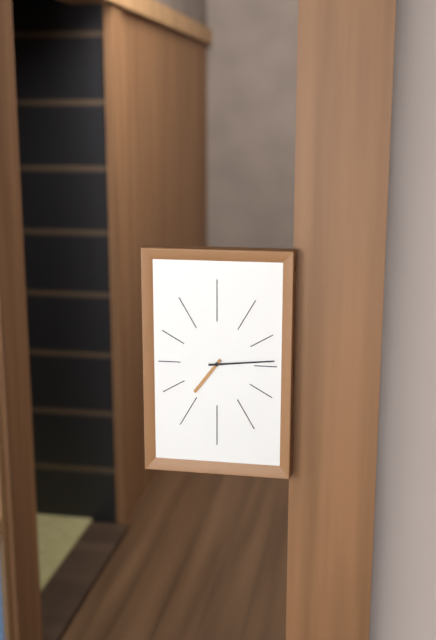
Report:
**7:14**
